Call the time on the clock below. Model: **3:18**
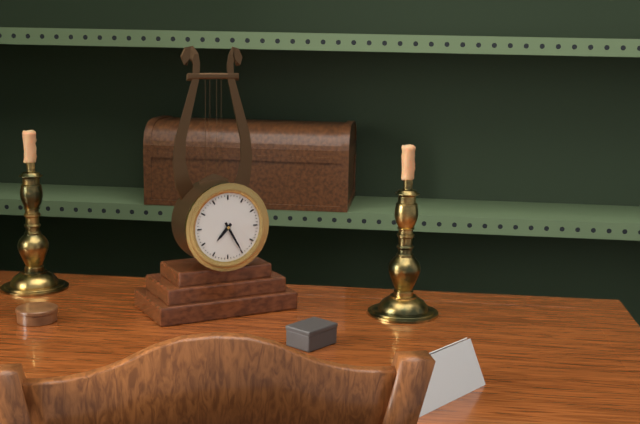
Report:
**7:25**
